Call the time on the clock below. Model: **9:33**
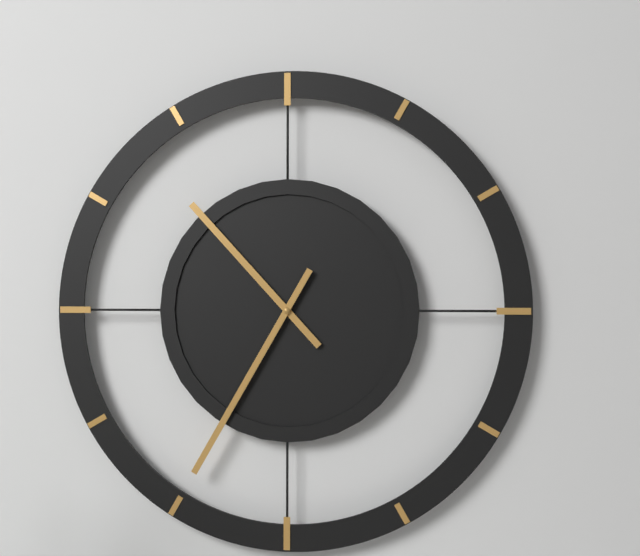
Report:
**10:35**
